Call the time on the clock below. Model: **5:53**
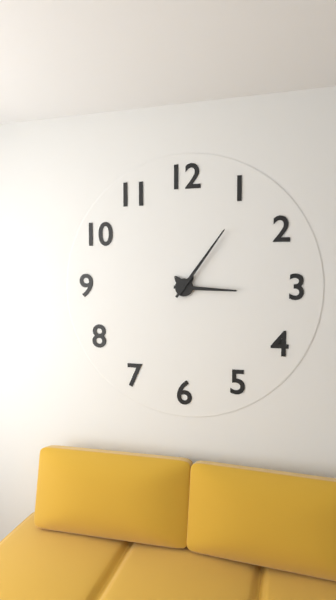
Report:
**3:06**
